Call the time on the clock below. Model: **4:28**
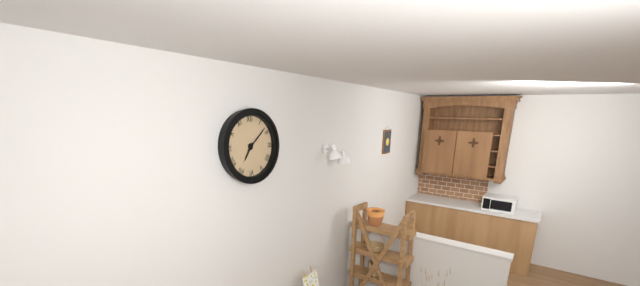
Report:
**7:08**
